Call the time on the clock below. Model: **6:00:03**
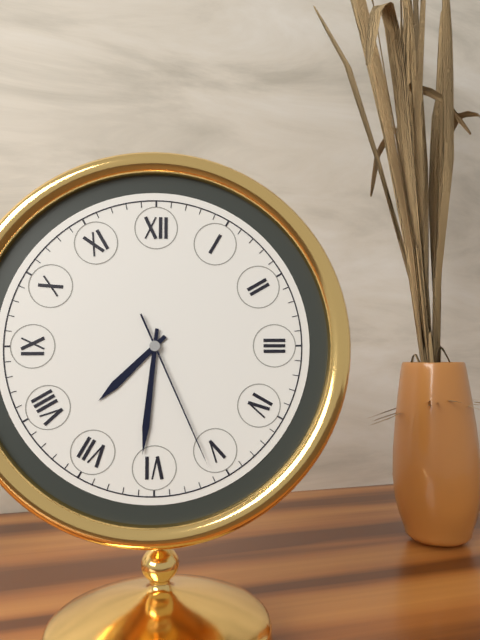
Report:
**7:31:26**
